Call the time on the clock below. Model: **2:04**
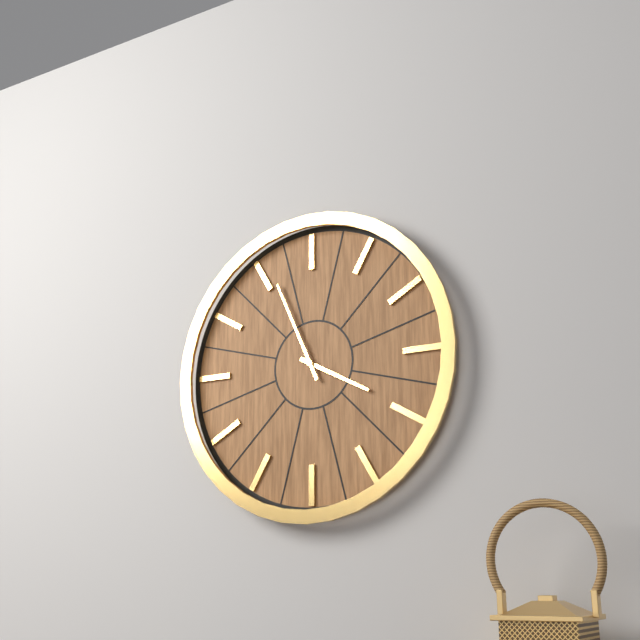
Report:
**3:56**
